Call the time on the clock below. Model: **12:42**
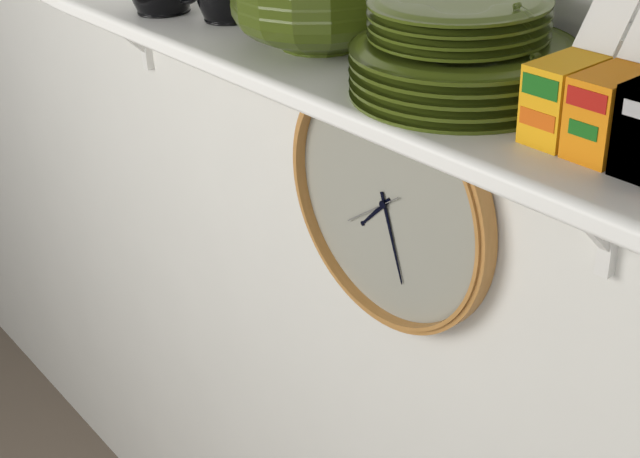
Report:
**7:27**
